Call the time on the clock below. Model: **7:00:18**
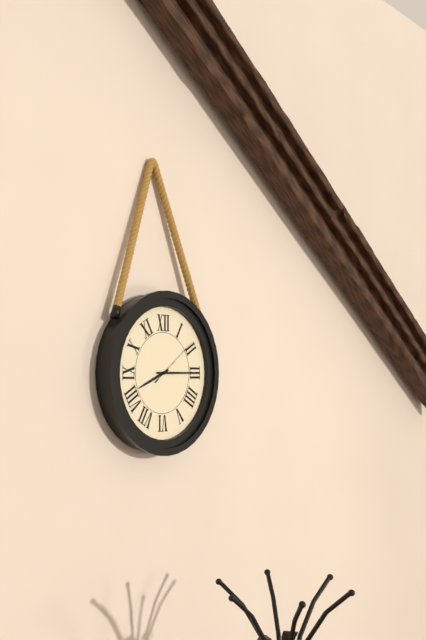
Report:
**8:15:09**
